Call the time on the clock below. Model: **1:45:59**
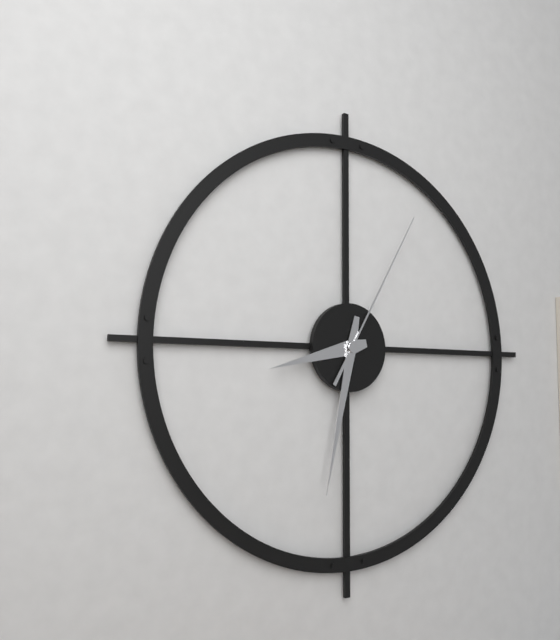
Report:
**8:32:05**
